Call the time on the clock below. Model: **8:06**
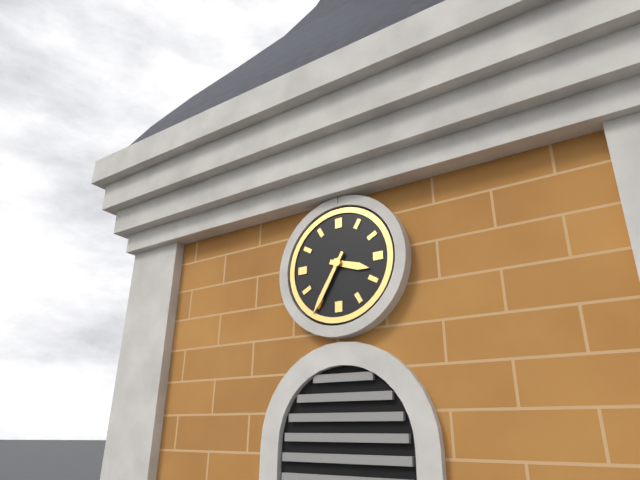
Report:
**3:35**
